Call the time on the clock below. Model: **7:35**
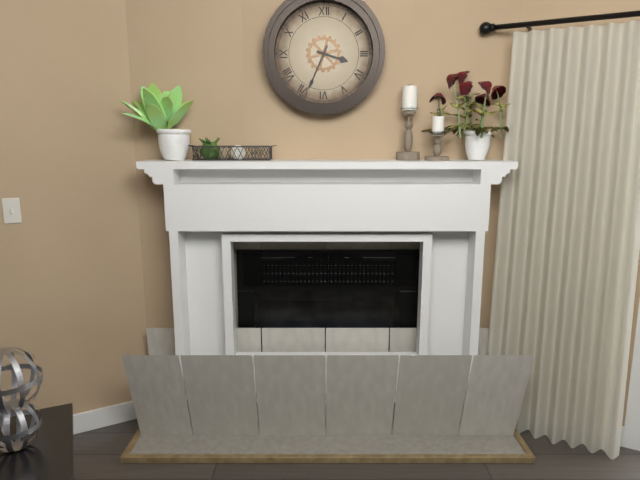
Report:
**3:34**
